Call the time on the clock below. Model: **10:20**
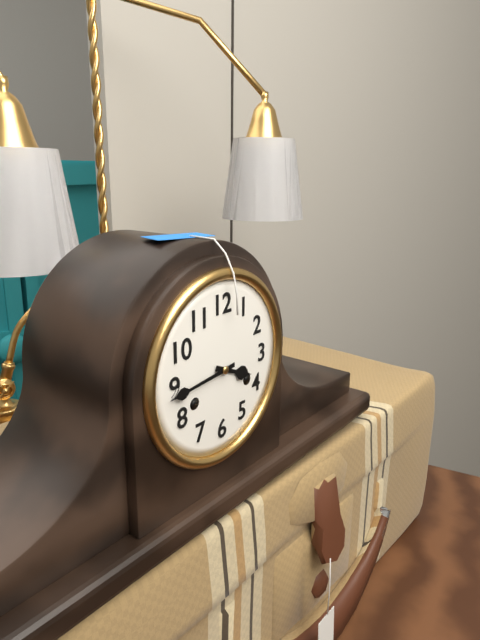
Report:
**3:44**
